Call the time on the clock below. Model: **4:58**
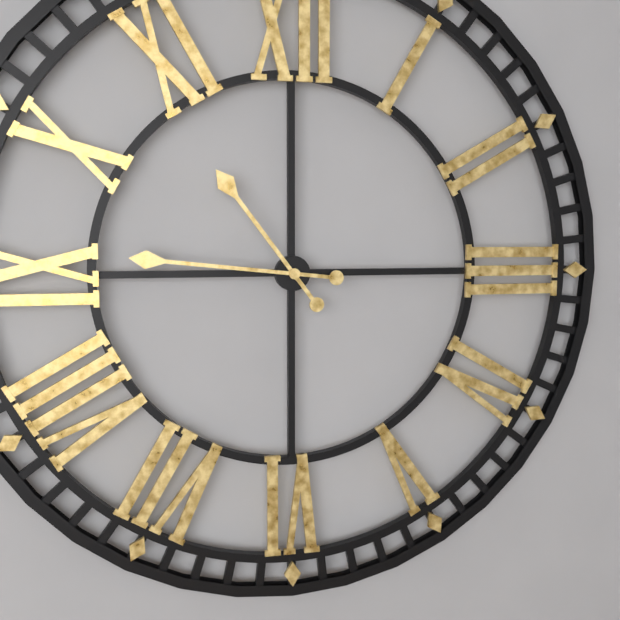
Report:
**10:46**
